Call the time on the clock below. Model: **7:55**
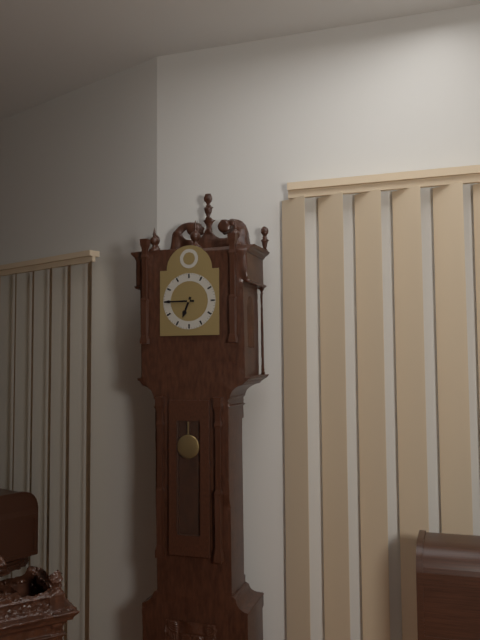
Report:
**6:45**
